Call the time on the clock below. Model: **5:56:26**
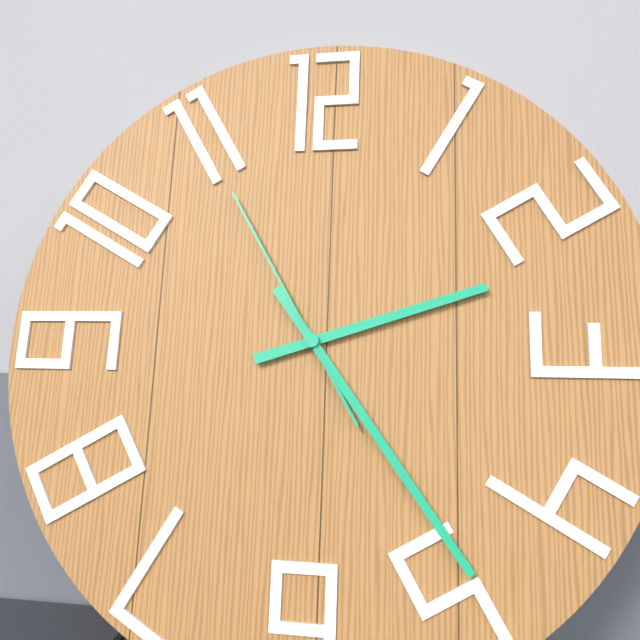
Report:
**2:24:55**
